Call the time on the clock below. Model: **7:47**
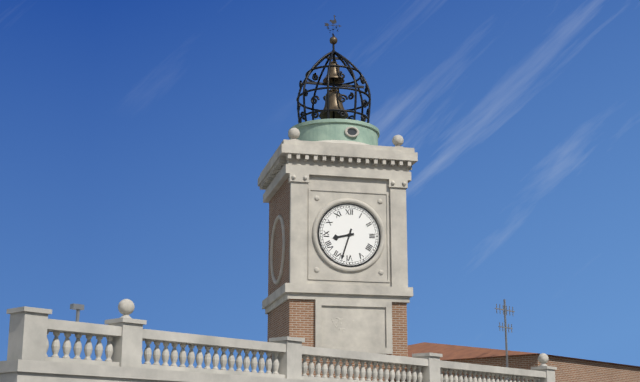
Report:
**8:33**
